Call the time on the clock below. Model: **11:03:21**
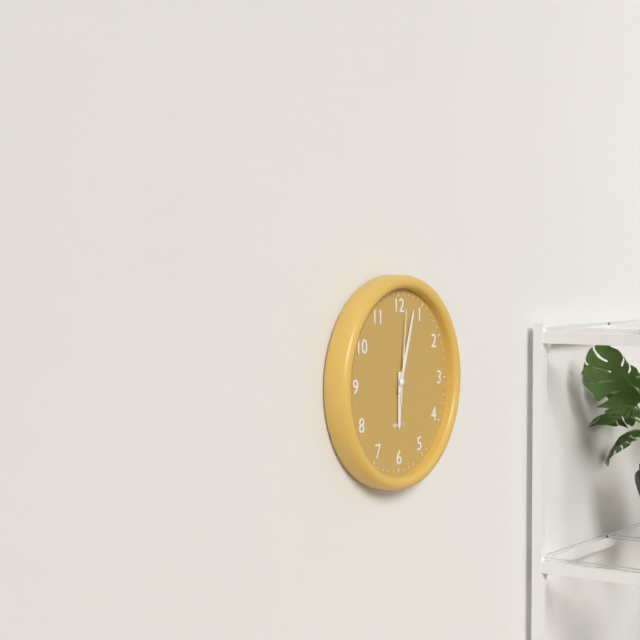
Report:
**6:03:01**
